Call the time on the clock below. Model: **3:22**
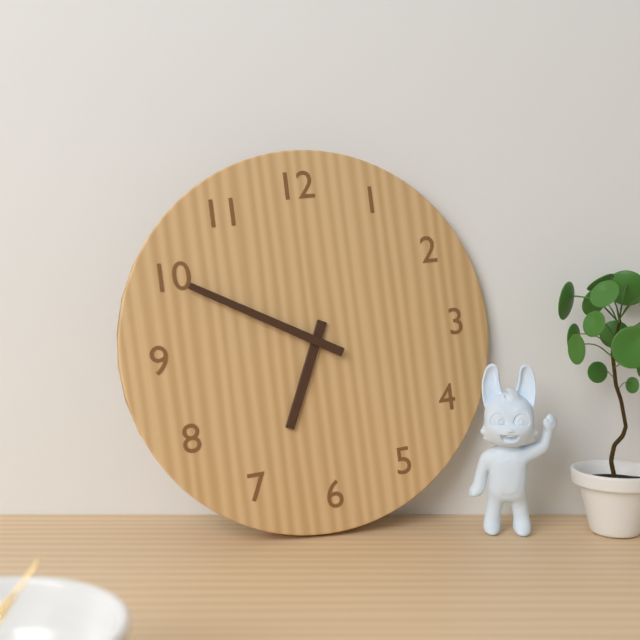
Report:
**6:50**
